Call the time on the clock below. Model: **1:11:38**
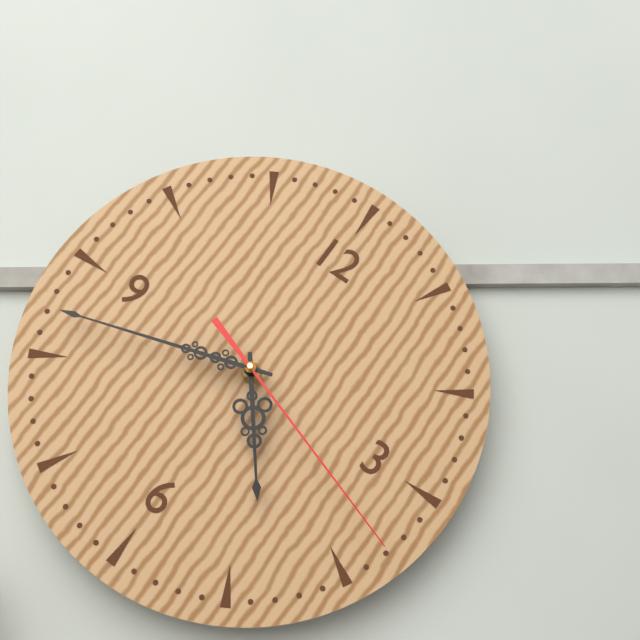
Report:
**4:42:18**
